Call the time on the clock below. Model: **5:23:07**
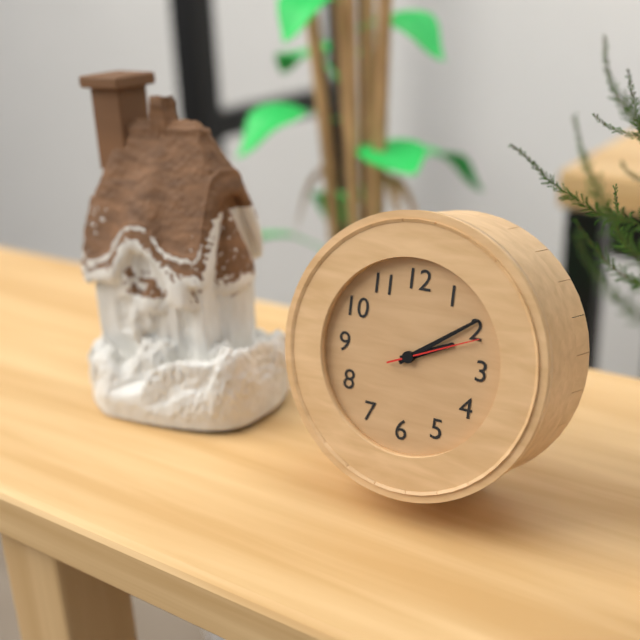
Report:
**2:09:11**
